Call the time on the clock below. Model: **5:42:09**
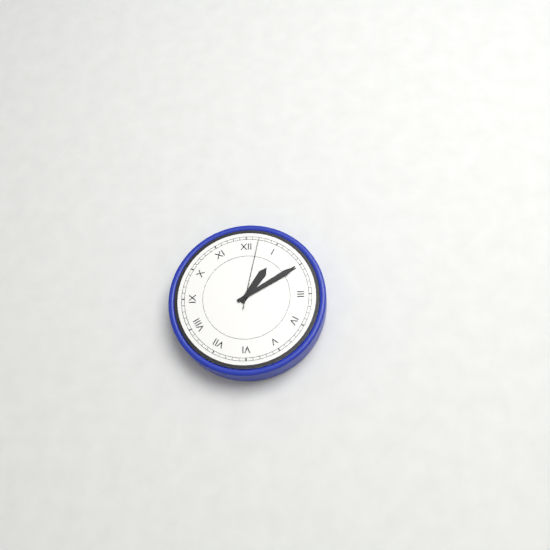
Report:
**1:10:02**
